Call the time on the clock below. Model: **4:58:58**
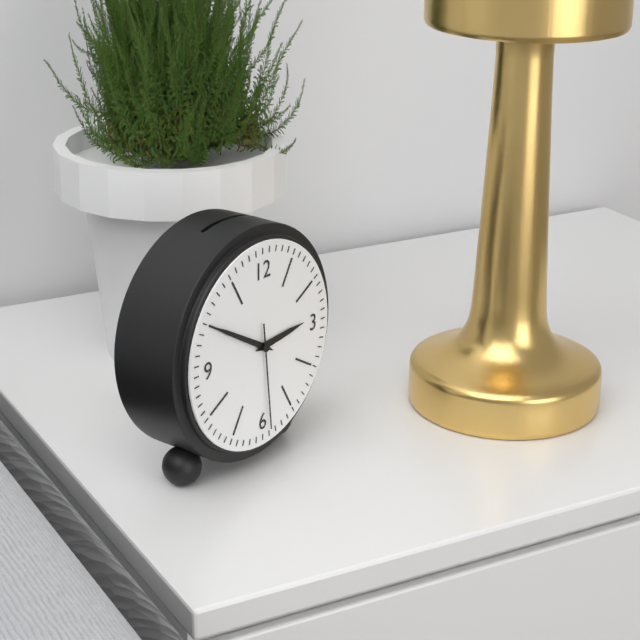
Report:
**2:50:29**
